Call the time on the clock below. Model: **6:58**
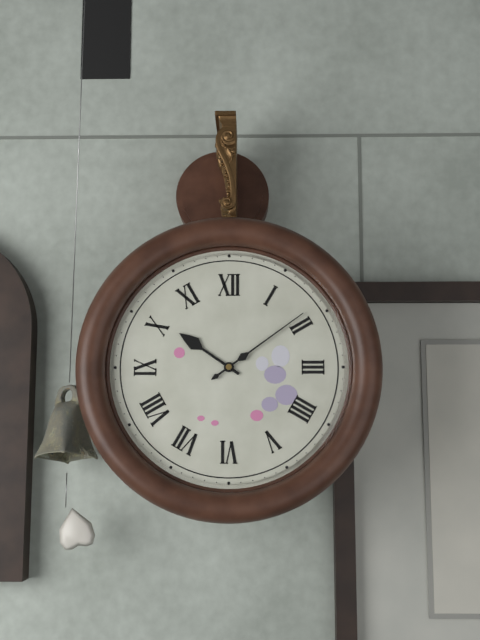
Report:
**10:09**
